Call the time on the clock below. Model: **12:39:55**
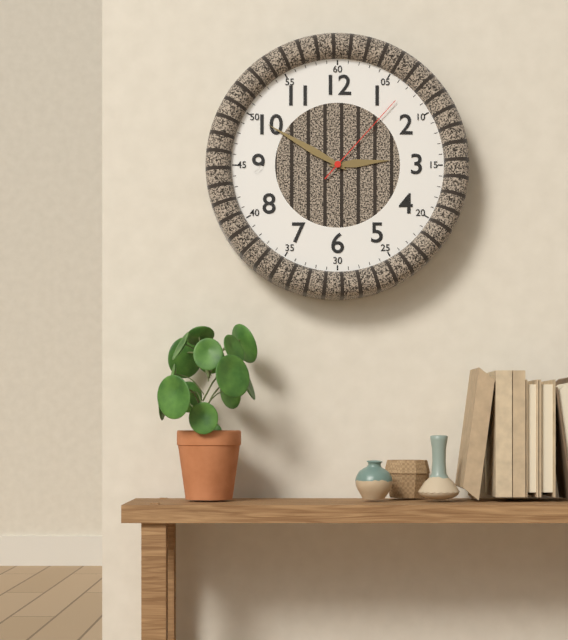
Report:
**2:50:07**
